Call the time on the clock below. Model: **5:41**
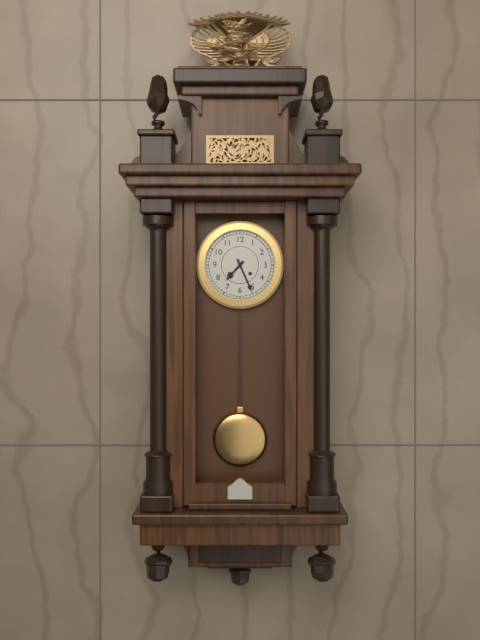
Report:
**7:26**
